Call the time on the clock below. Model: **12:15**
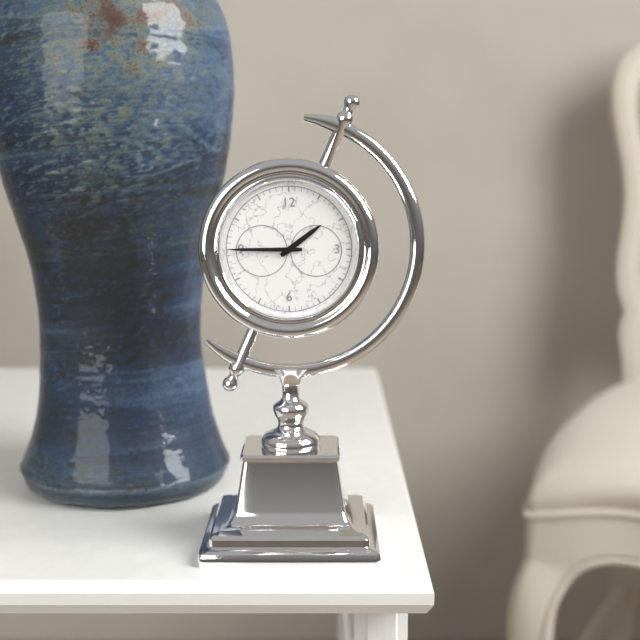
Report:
**1:45**
